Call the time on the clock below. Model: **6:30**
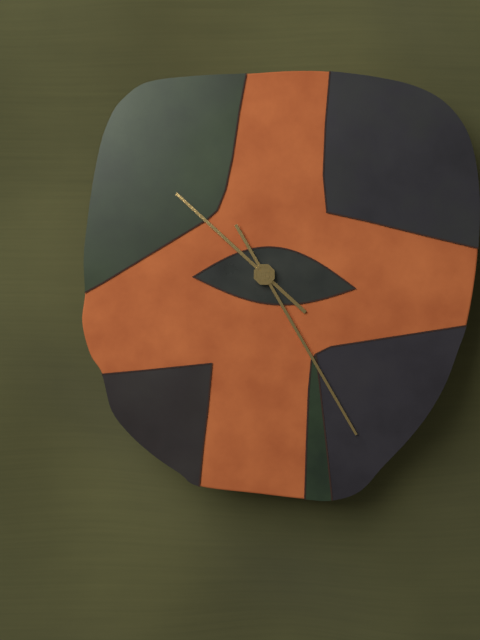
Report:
**10:25**
